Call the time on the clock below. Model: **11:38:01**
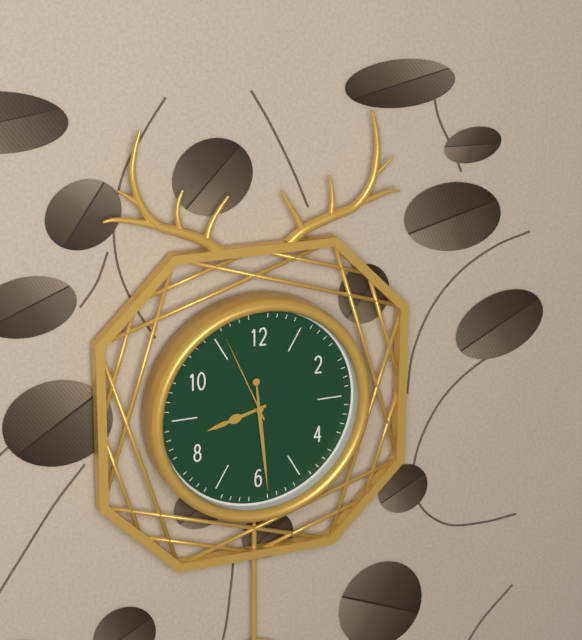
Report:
**8:29:56**
